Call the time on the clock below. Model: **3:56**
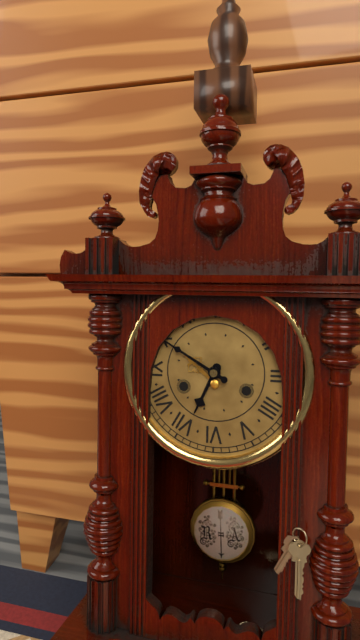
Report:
**6:50**
